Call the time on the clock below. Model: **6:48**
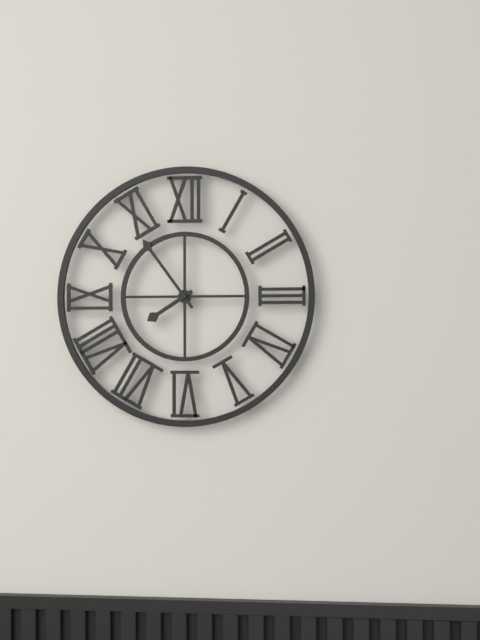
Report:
**7:54**
